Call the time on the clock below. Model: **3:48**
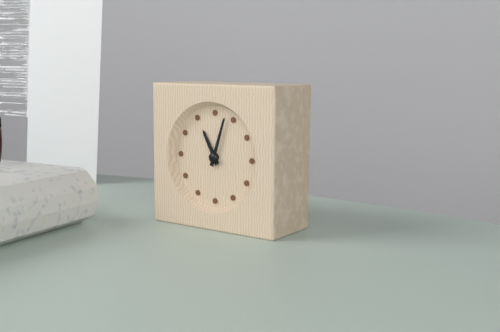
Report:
**11:03**
